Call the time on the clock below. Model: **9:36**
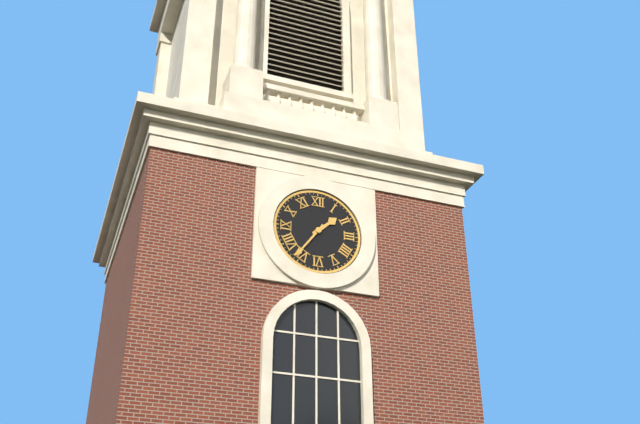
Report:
**1:36**
